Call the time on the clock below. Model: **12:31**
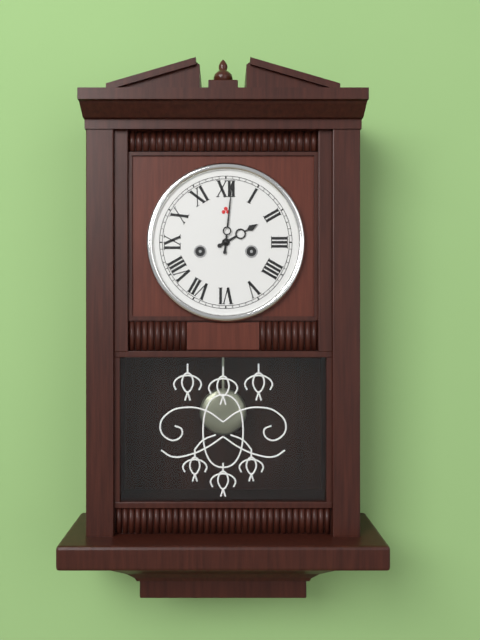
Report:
**2:01**
